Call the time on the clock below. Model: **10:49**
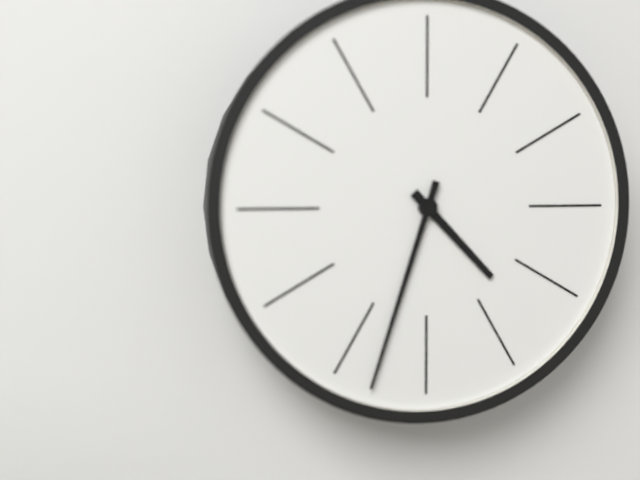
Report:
**4:33**
